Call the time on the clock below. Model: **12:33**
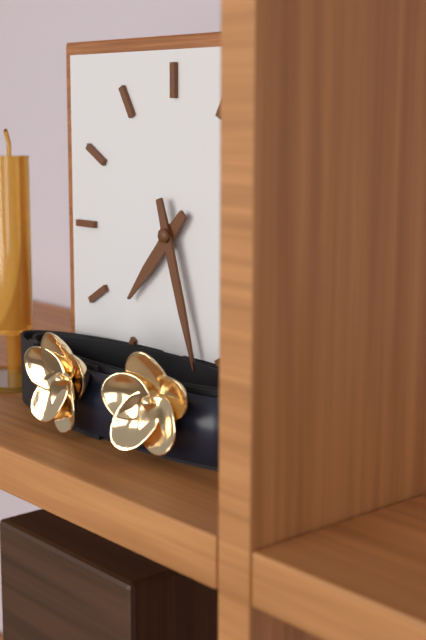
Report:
**7:27**
